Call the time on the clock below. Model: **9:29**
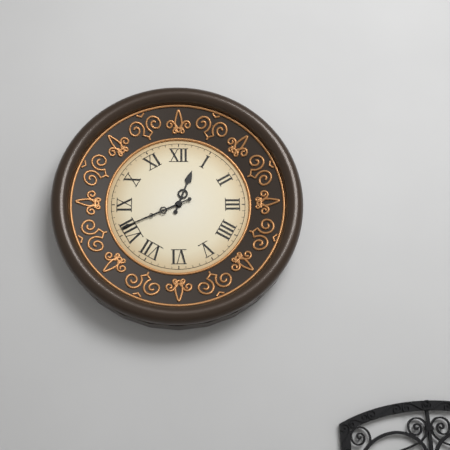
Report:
**12:41**
